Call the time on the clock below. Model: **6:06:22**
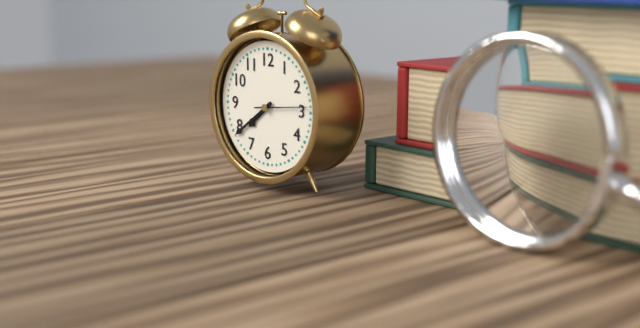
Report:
**7:39:14**
